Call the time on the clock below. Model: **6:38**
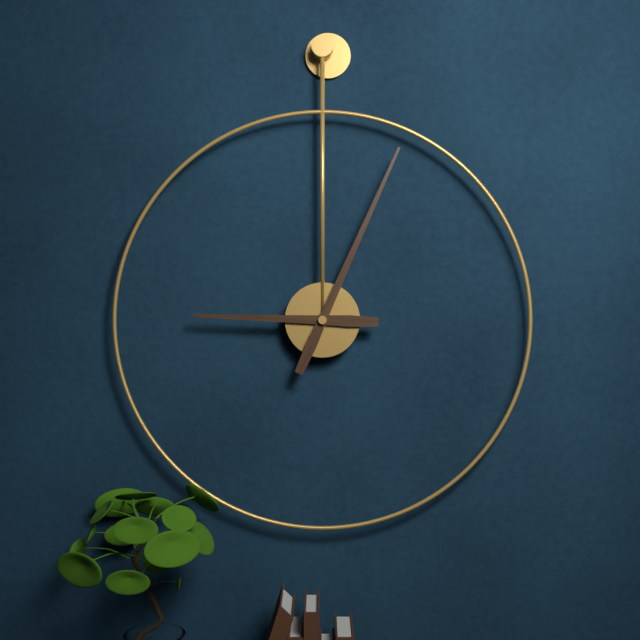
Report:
**9:04**
